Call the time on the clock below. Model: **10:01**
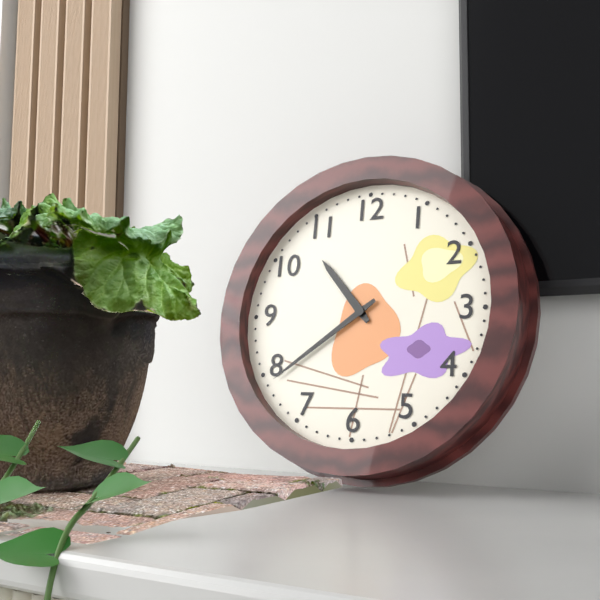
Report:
**10:39**
